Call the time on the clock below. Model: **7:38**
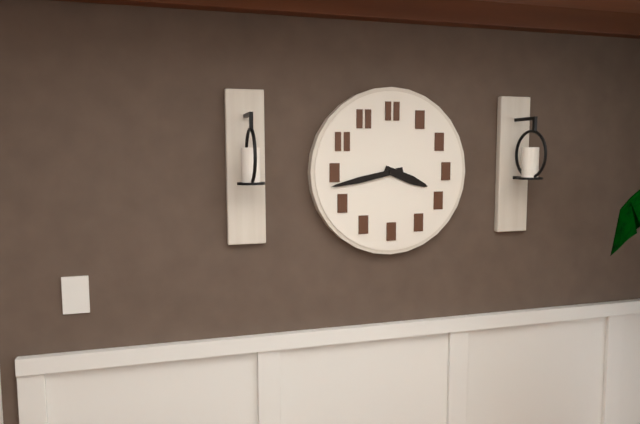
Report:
**3:43**
